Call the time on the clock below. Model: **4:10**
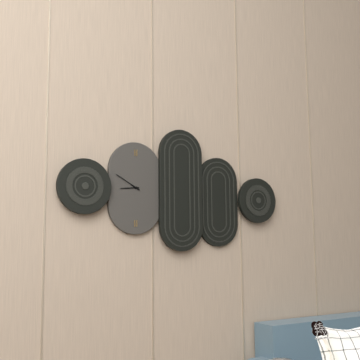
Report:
**8:50**
